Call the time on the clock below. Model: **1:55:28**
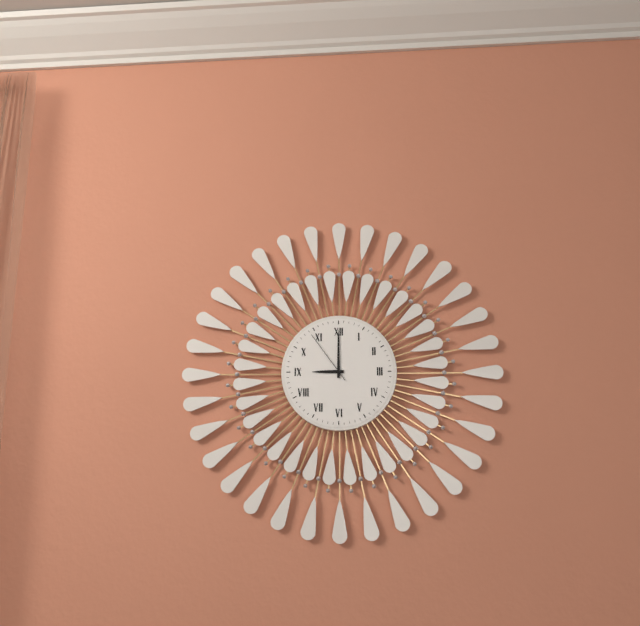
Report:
**9:00:54**
